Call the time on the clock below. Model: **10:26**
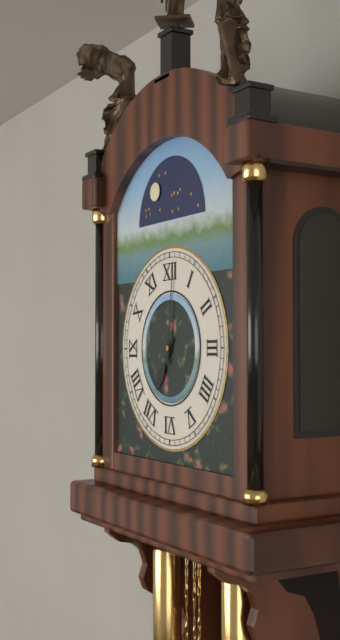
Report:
**7:01**
